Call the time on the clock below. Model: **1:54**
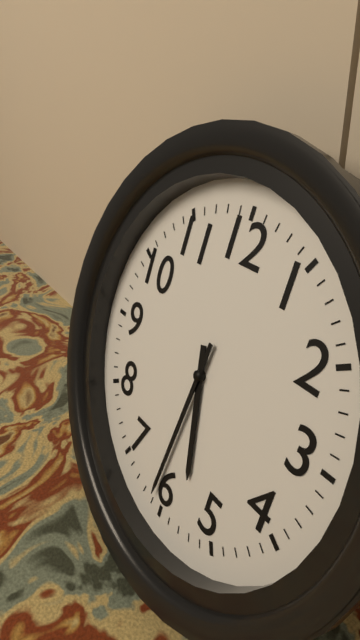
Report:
**5:31**
